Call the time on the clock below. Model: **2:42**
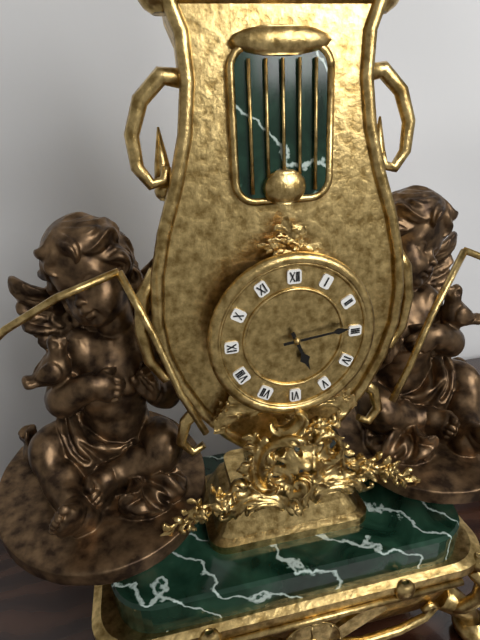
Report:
**5:14**
